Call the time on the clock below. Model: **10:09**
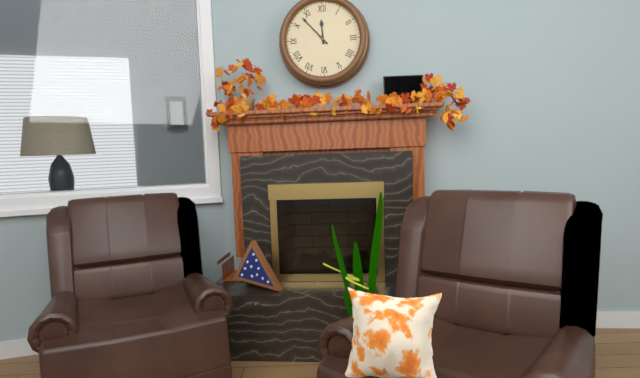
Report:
**11:53**
